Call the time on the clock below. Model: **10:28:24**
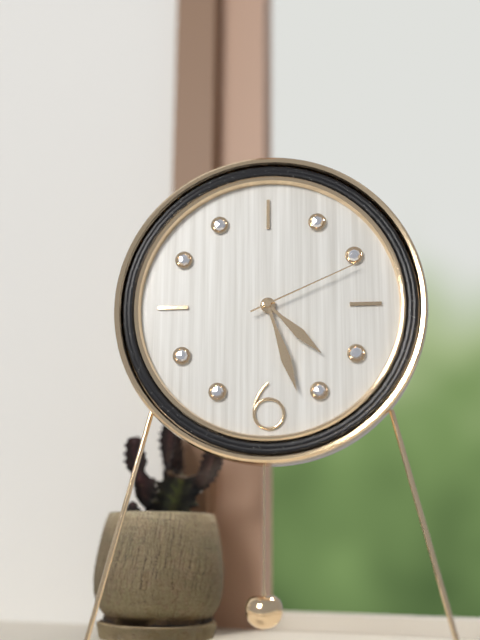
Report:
**4:27:11**
